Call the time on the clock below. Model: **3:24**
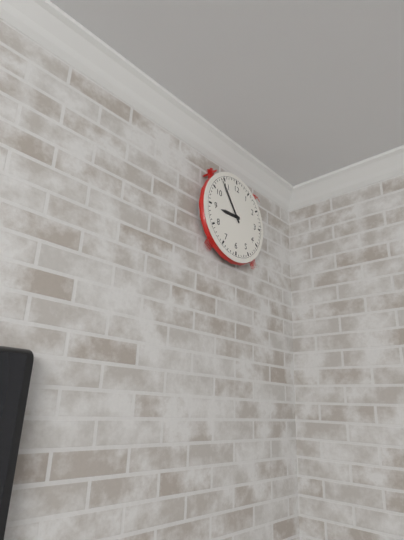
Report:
**8:54**
